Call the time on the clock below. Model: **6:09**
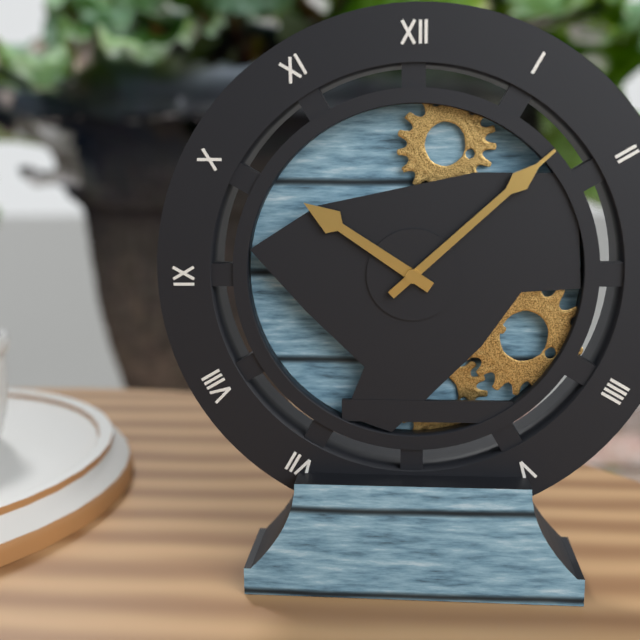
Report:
**10:08**
